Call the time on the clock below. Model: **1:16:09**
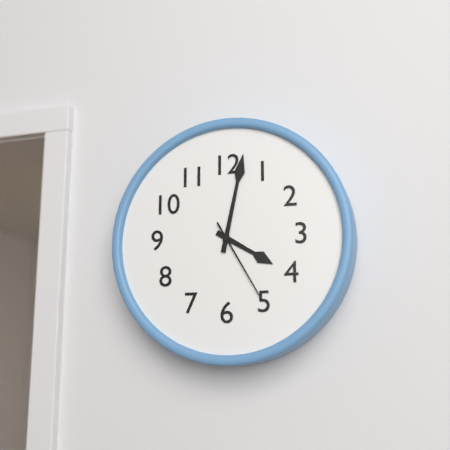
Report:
**4:02:25**
